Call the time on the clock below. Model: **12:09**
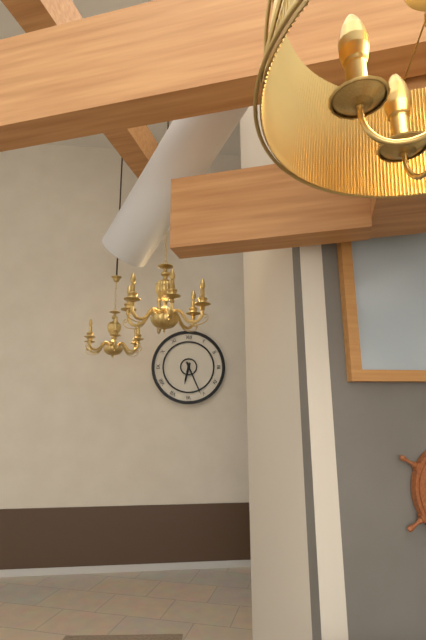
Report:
**6:26**
